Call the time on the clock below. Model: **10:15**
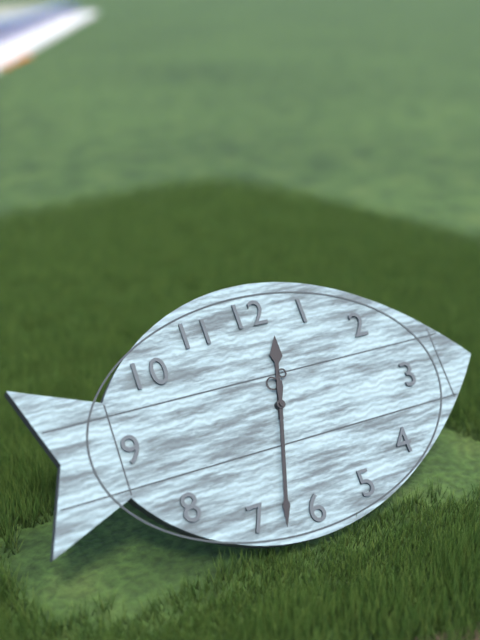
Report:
**12:33**
